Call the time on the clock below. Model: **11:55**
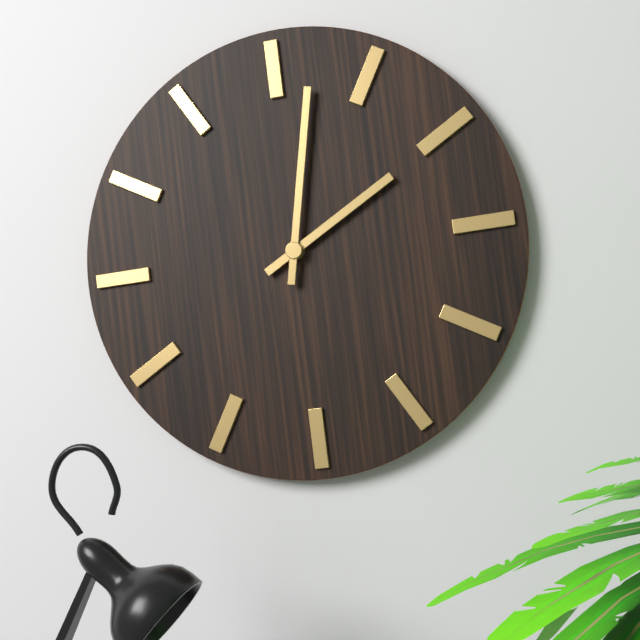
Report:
**2:02**
